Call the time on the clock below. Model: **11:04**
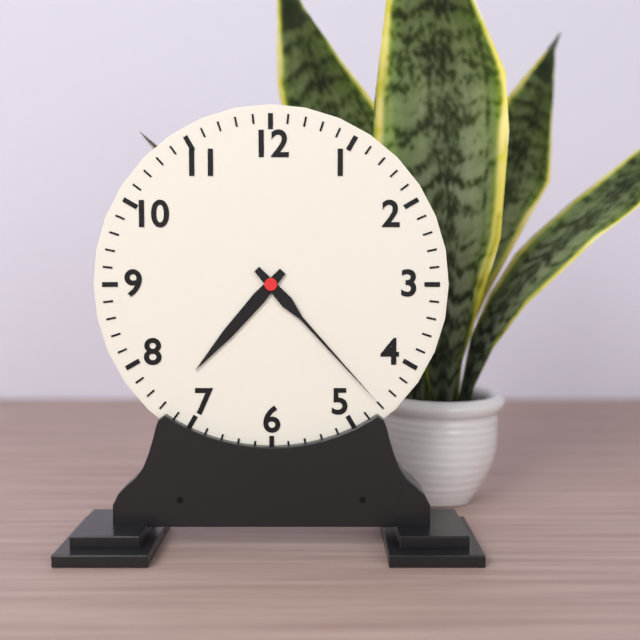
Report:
**7:23**
